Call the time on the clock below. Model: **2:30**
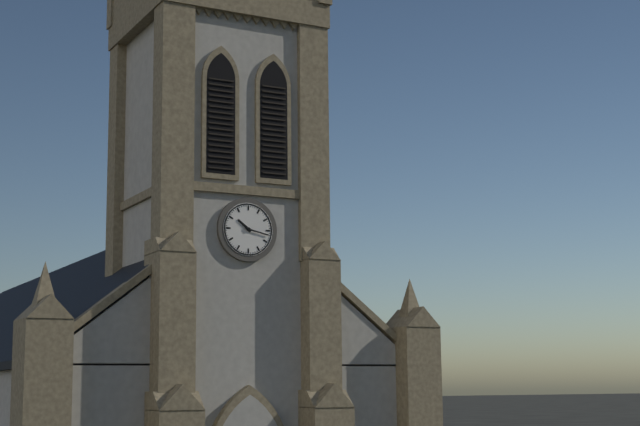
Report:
**10:17**
